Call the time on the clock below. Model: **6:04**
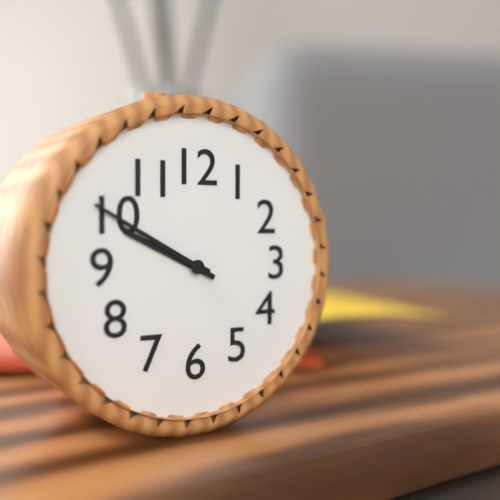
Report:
**9:50**
